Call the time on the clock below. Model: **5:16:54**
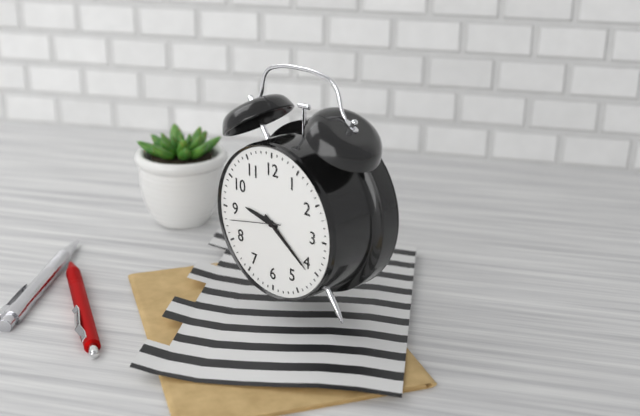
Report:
**9:21:43**
